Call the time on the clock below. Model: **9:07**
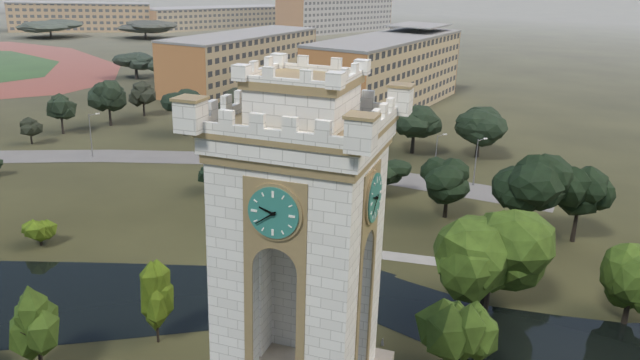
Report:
**9:39**
